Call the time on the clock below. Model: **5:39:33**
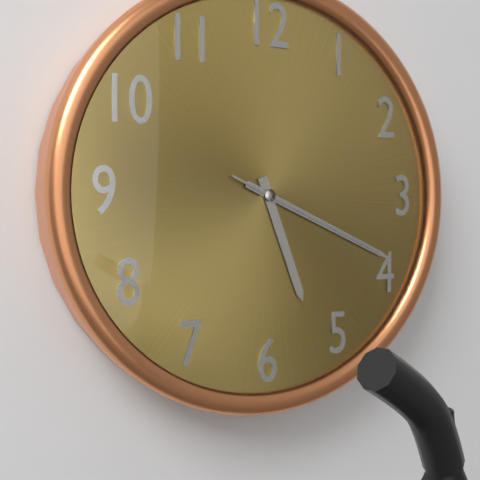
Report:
**5:19:19**
